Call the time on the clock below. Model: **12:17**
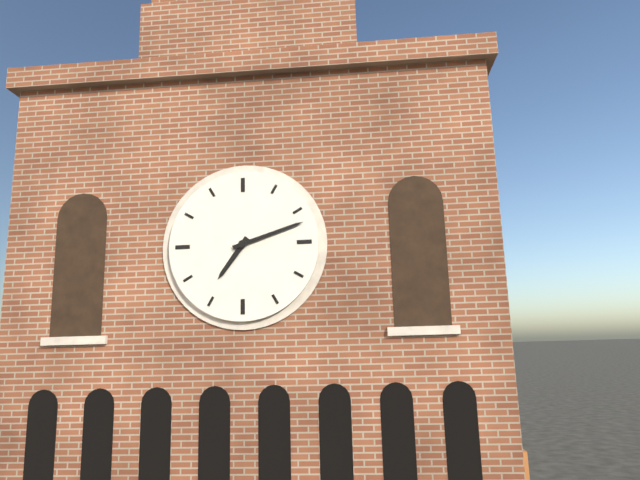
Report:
**7:12**
